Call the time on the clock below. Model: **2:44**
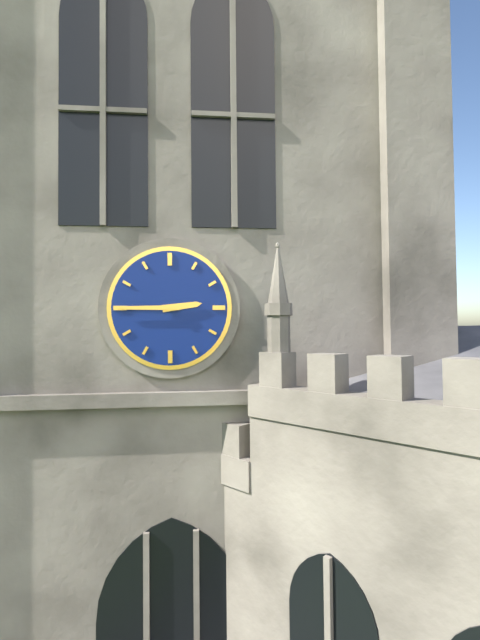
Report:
**2:45**
